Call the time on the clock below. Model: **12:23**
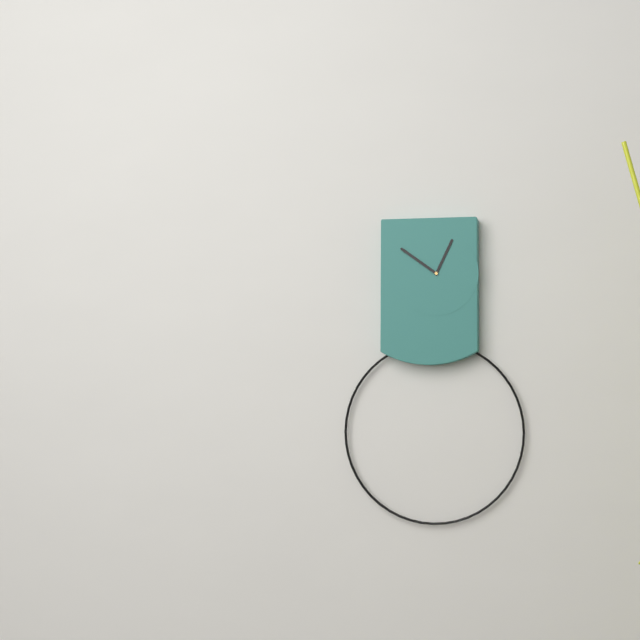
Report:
**12:51**
